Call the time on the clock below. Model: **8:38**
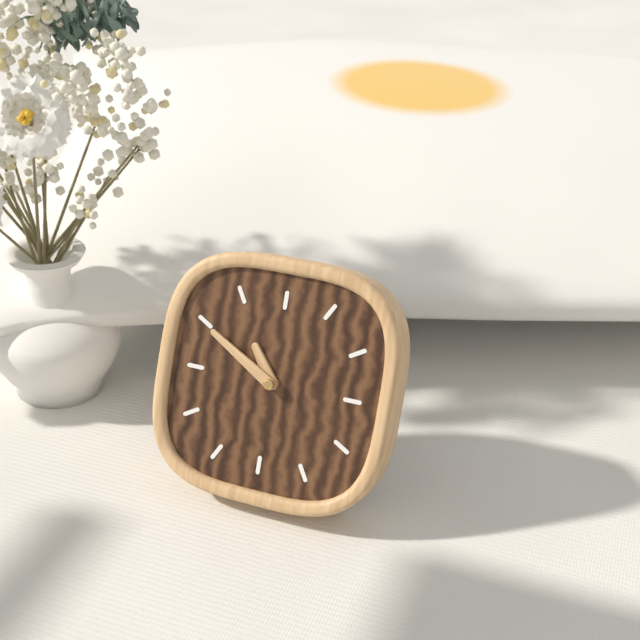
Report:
**10:50**
